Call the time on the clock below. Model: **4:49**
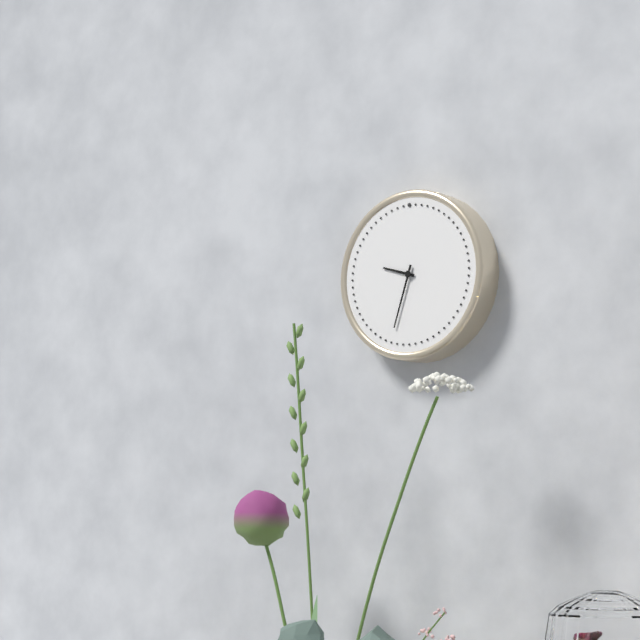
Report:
**9:33**
